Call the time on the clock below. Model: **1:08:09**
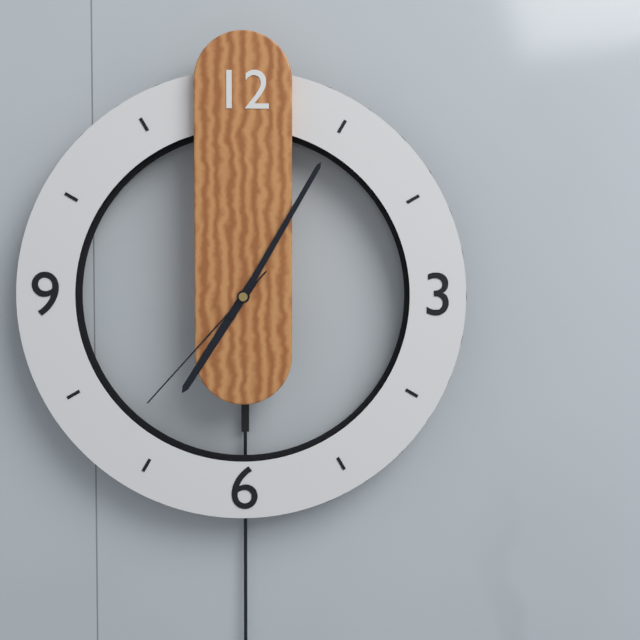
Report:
**7:05:37**
